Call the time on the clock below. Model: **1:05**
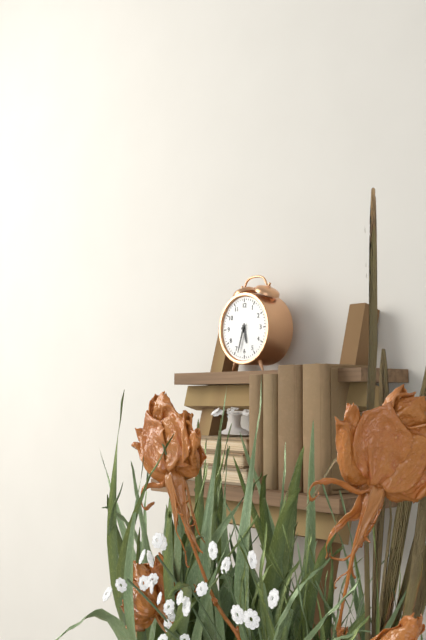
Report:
**5:33**
